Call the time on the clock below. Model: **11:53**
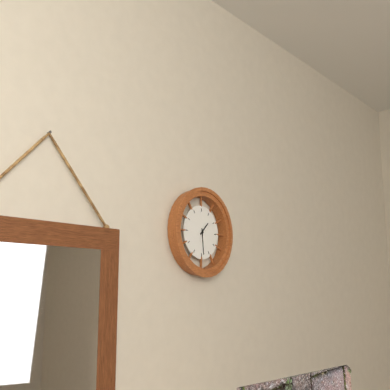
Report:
**1:29**
